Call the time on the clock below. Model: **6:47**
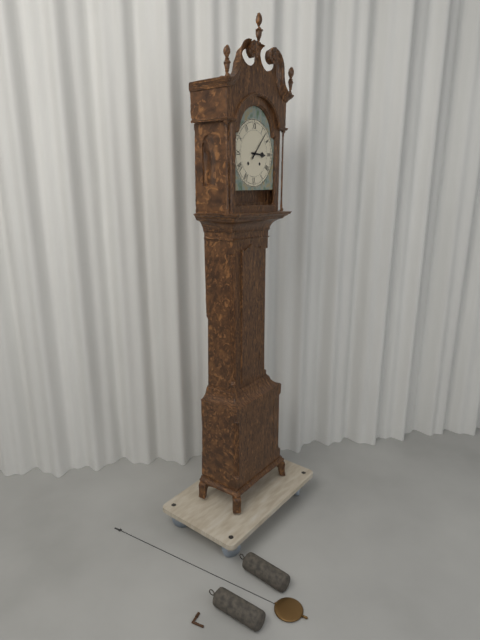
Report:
**3:07**
